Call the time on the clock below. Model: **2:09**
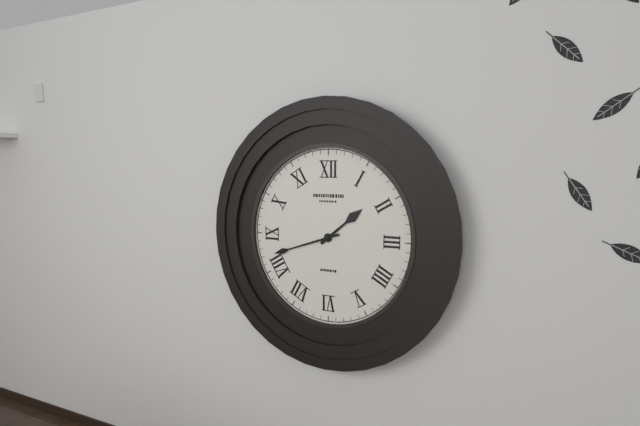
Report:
**1:42**
